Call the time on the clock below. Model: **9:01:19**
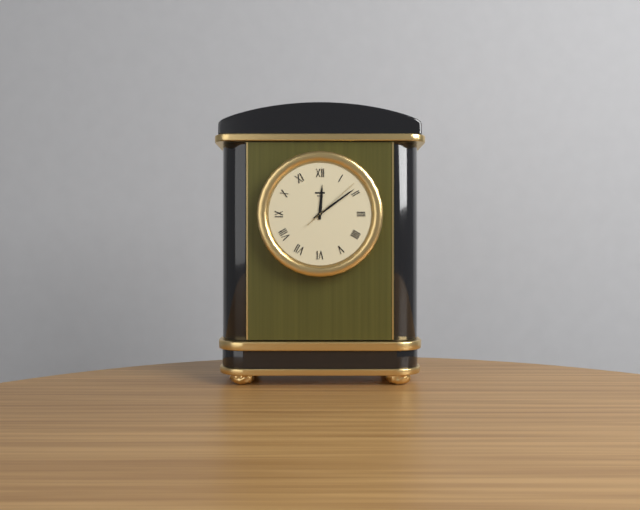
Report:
**12:09:08**
